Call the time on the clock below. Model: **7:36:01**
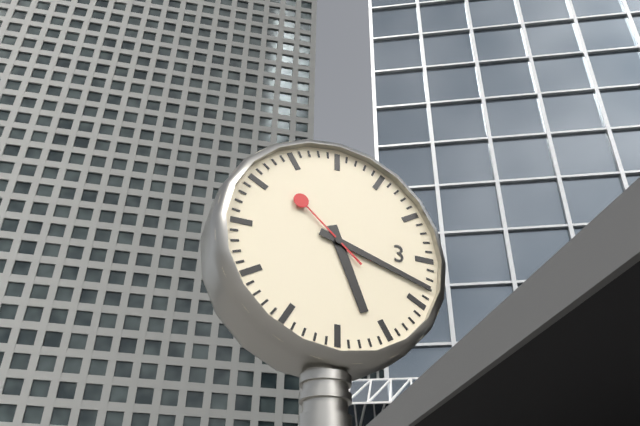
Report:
**5:18:52**
